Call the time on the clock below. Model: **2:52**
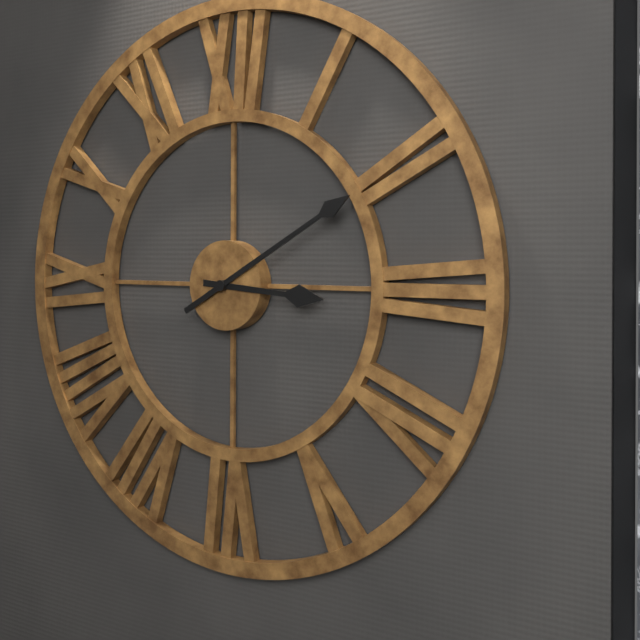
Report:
**3:10**
